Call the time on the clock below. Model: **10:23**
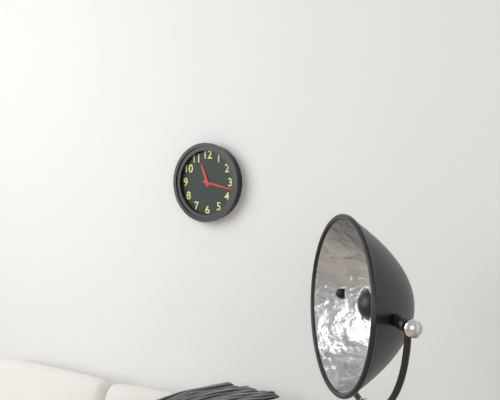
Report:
**11:17**
